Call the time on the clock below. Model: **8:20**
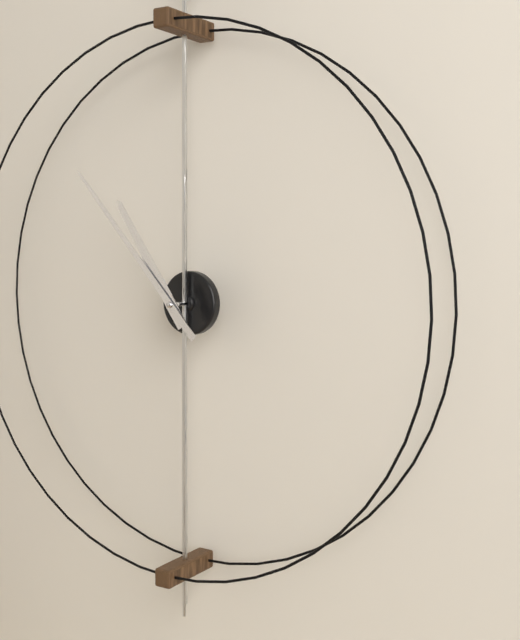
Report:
**10:53**
